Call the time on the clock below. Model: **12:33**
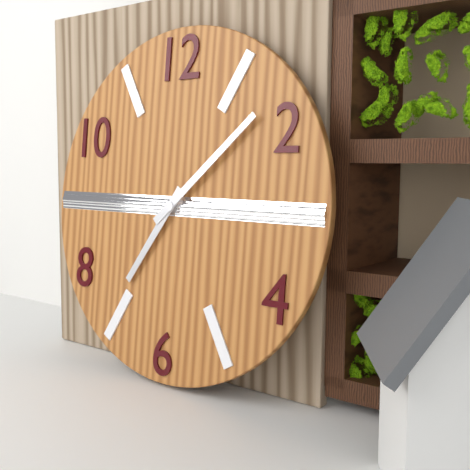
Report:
**7:08**
